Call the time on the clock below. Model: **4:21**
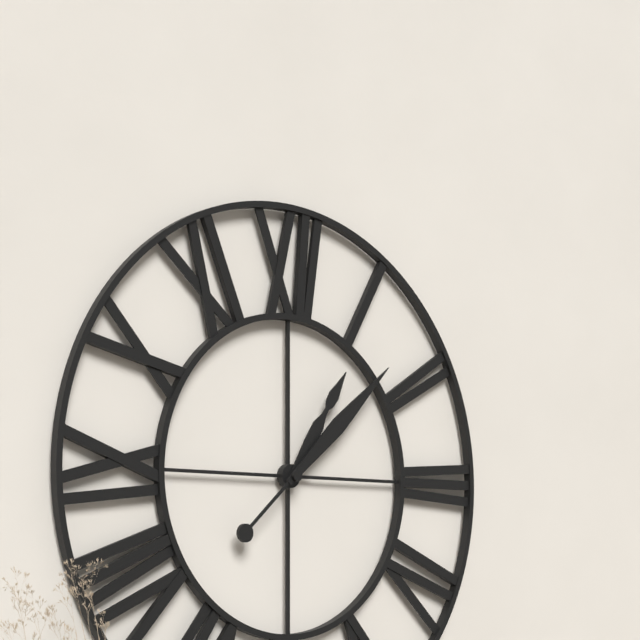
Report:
**1:08**
